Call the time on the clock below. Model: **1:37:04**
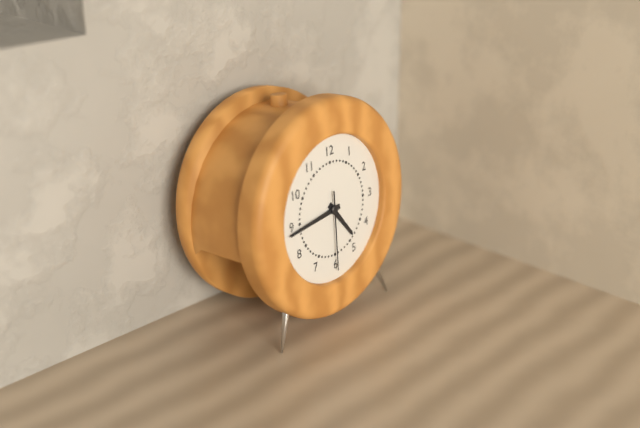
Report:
**4:44:30**
